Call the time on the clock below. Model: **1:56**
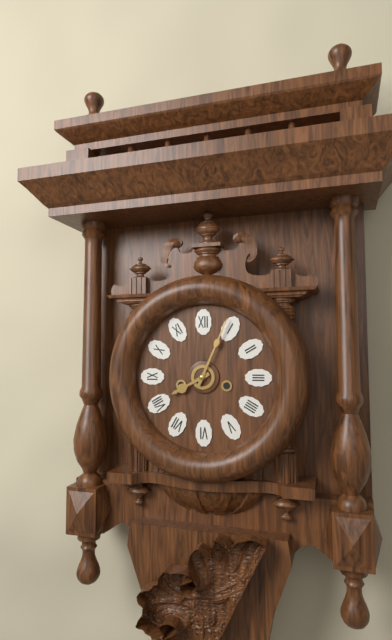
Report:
**8:04**
